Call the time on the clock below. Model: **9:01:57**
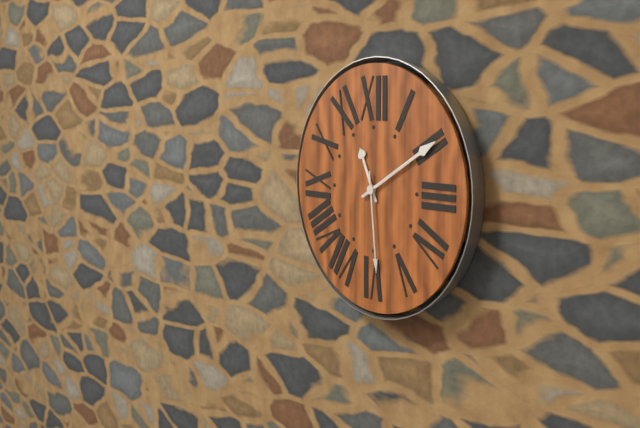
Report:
**11:10:29**
